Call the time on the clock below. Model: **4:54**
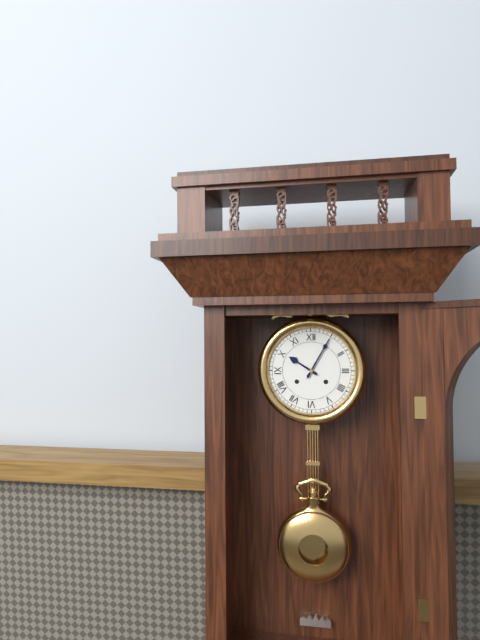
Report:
**10:05**
